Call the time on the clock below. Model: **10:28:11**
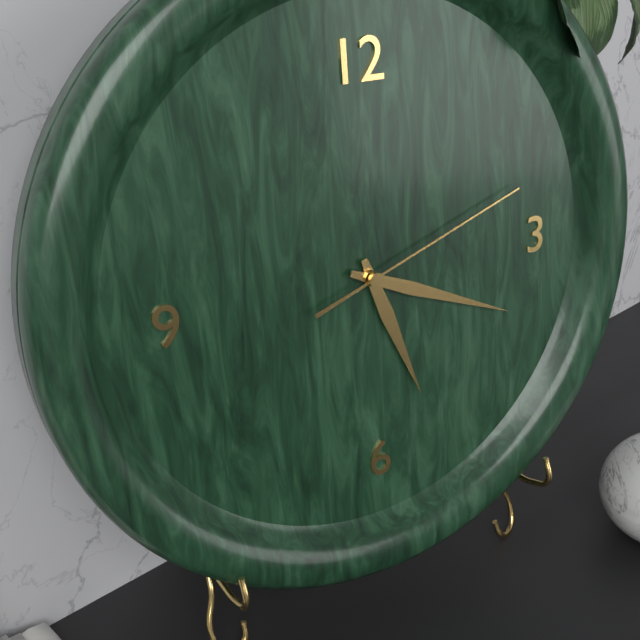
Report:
**5:19:12**
